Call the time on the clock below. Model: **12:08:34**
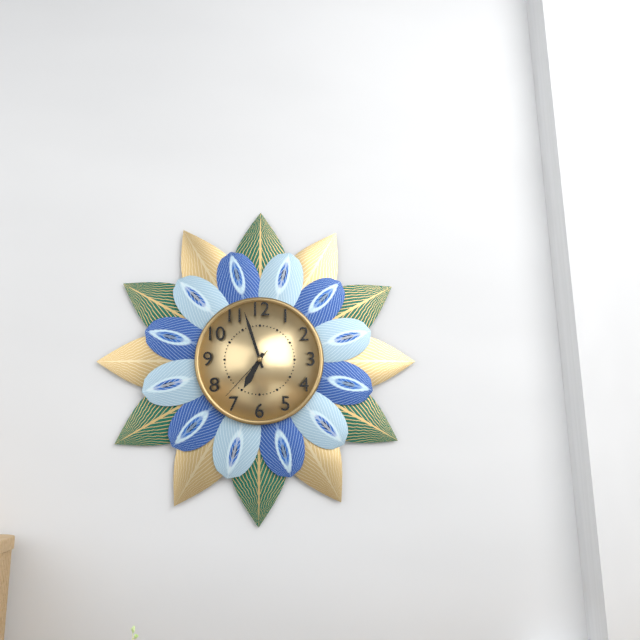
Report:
**6:57:37**
